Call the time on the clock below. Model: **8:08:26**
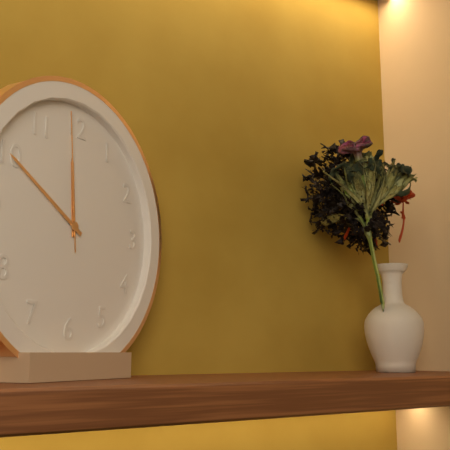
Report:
**11:50:59**
